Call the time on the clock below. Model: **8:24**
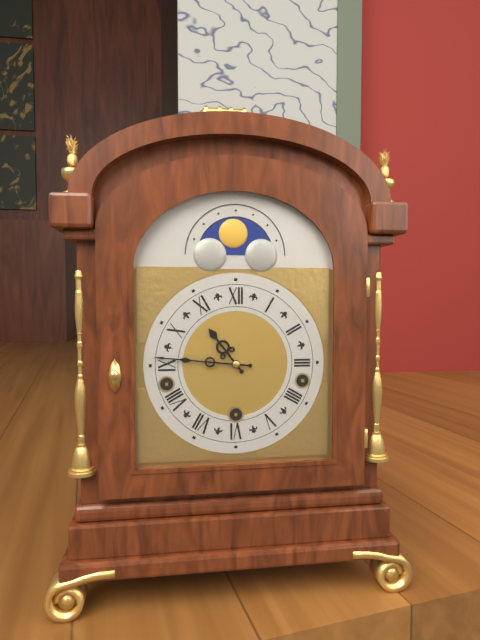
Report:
**10:46**
